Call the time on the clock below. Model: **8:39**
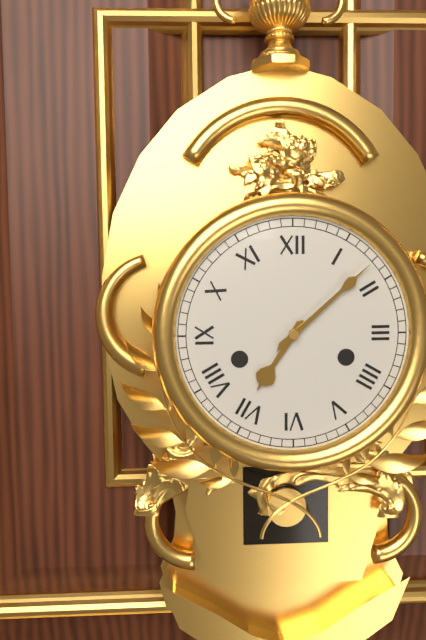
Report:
**7:08**
